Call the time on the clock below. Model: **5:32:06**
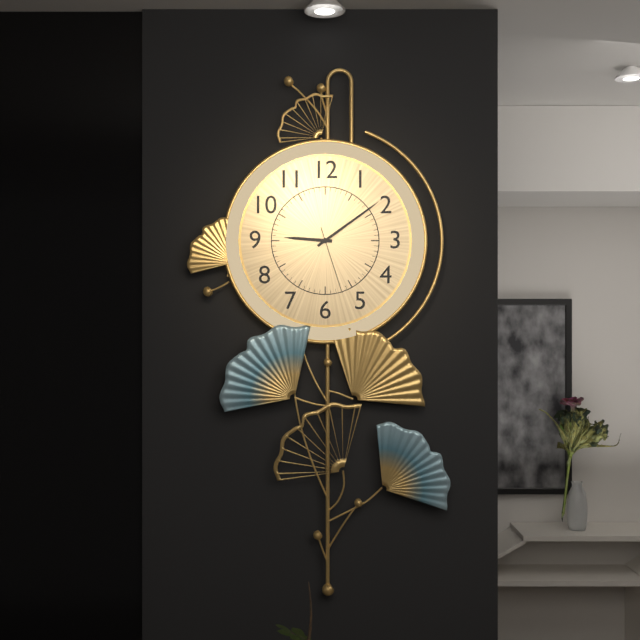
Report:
**9:09:27**
